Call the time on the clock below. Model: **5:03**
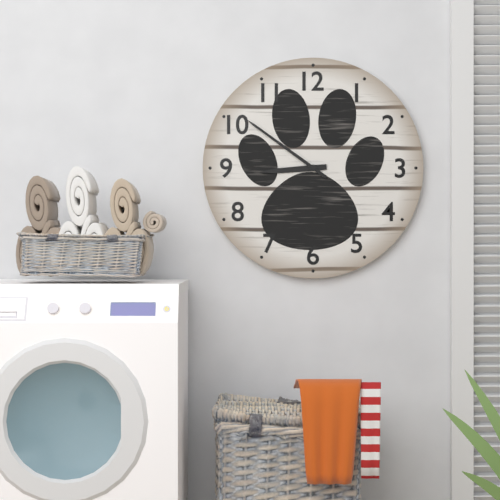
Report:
**8:51**
